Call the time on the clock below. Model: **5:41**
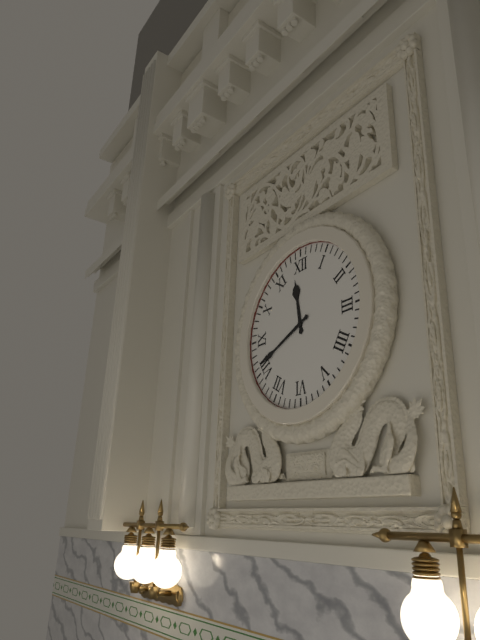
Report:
**11:41**
